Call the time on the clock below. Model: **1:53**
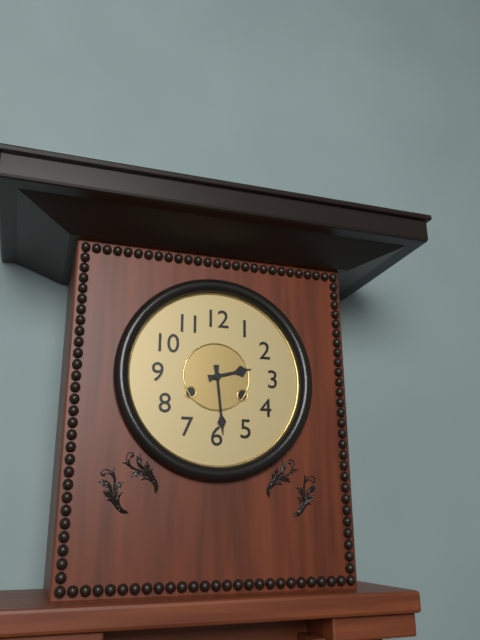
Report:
**2:29**
